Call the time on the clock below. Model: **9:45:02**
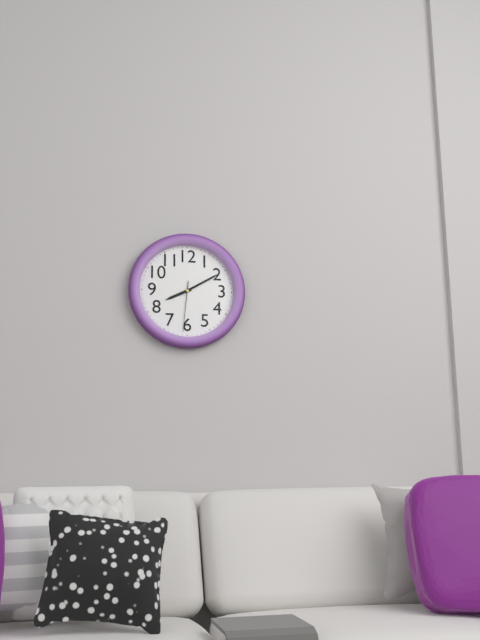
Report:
**8:10:31**
